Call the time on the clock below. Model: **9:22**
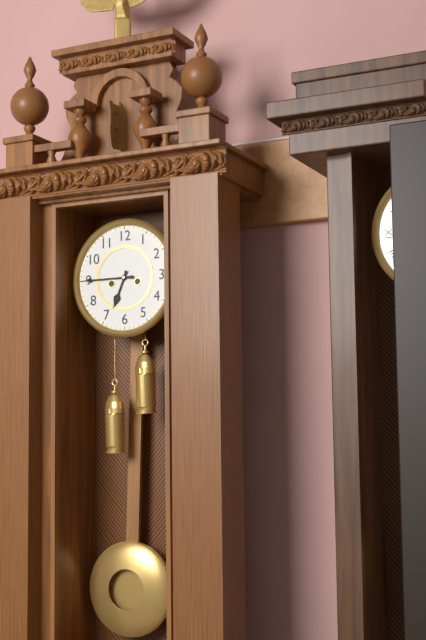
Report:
**6:45**
